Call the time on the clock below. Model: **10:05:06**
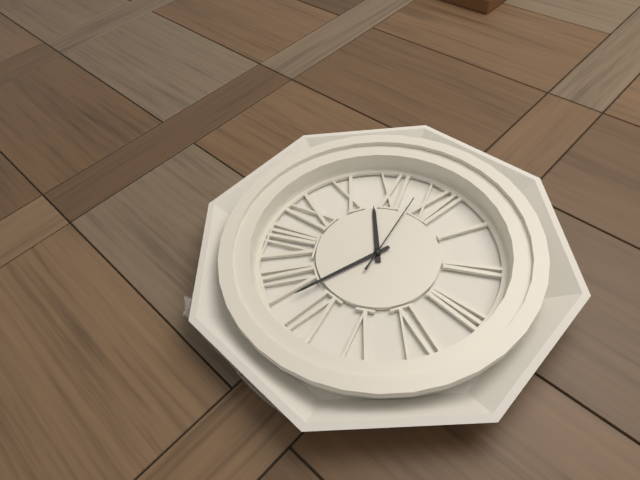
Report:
**10:33:58**
